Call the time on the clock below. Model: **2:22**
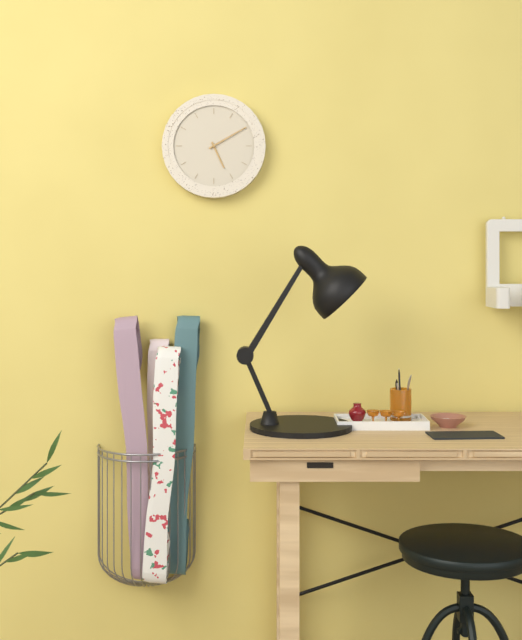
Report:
**5:10**
